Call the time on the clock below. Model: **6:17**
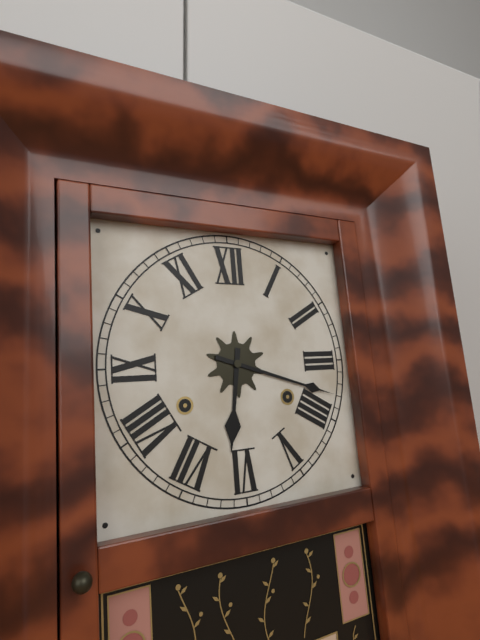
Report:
**6:18**
